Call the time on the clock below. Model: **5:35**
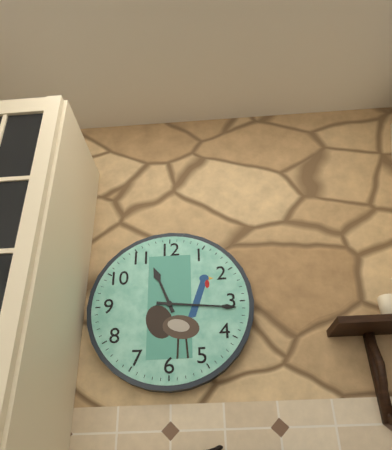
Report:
**11:16**
